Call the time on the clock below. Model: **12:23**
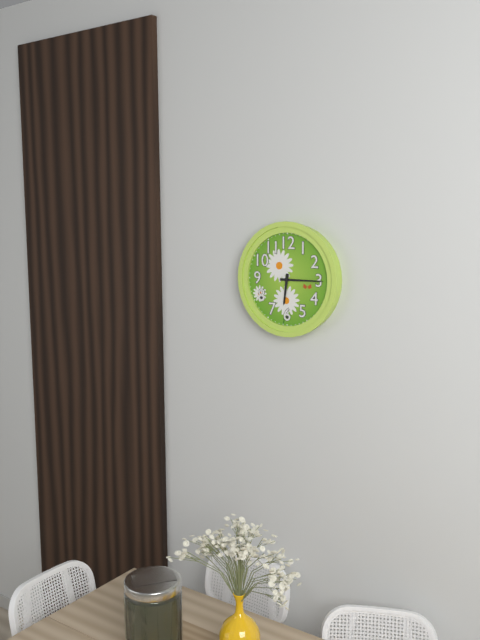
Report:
**6:15**
